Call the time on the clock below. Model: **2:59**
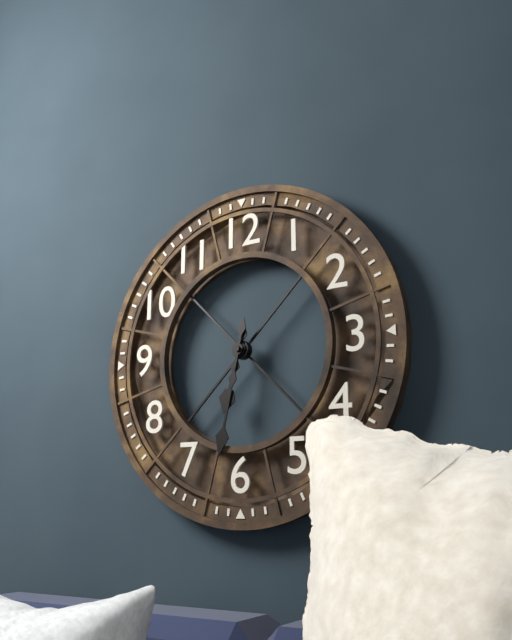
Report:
**6:32**
